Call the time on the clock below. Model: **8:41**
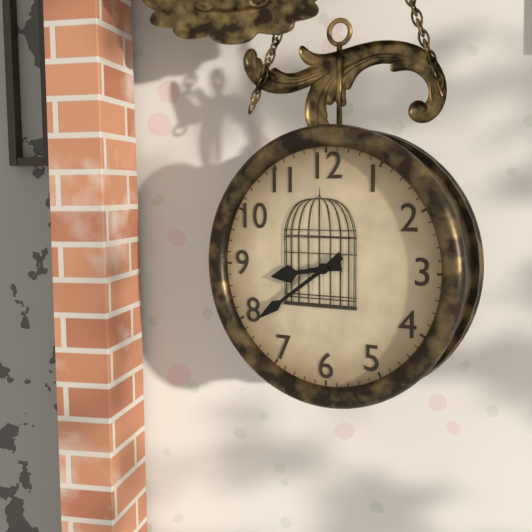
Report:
**8:39**
